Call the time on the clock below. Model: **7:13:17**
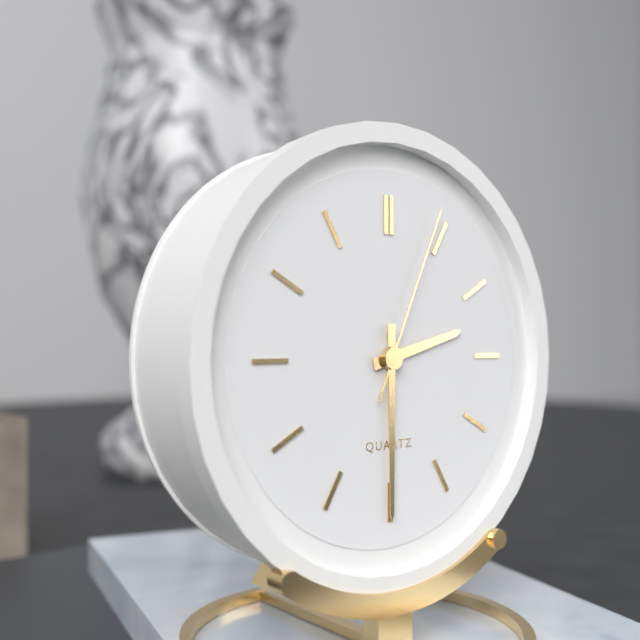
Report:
**2:30:04**
